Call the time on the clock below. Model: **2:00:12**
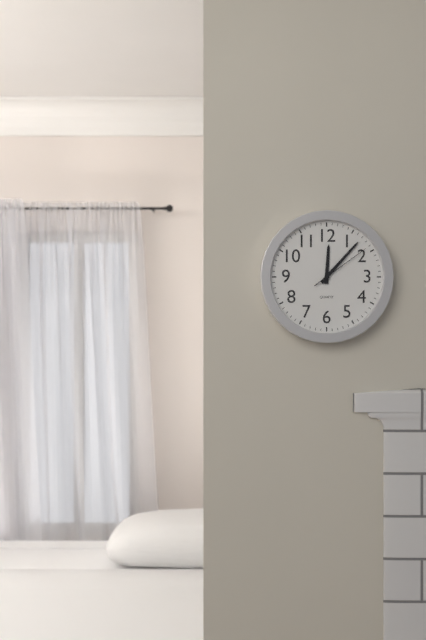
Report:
**12:07:09**
